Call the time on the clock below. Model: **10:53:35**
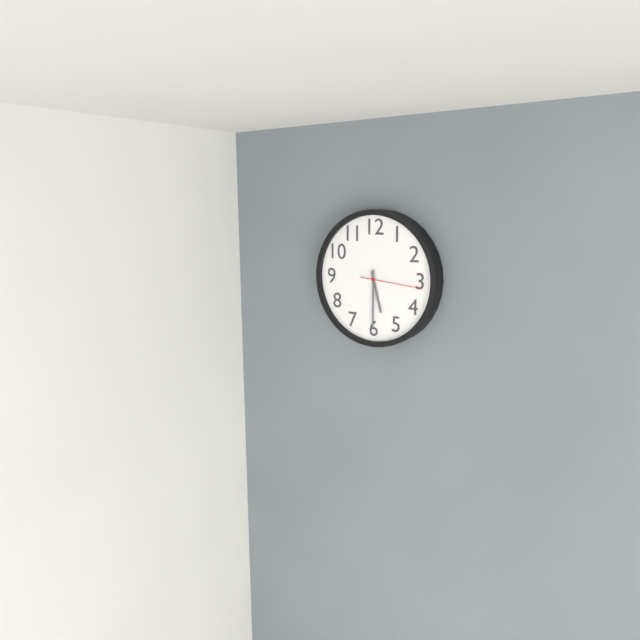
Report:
**5:30:16**
